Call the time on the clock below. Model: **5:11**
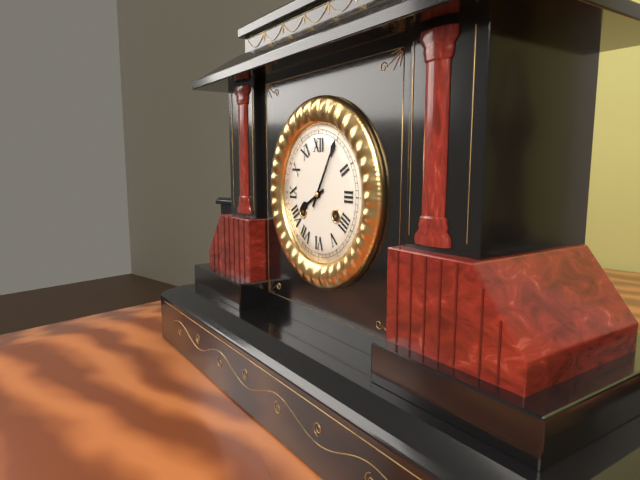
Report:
**8:05**
